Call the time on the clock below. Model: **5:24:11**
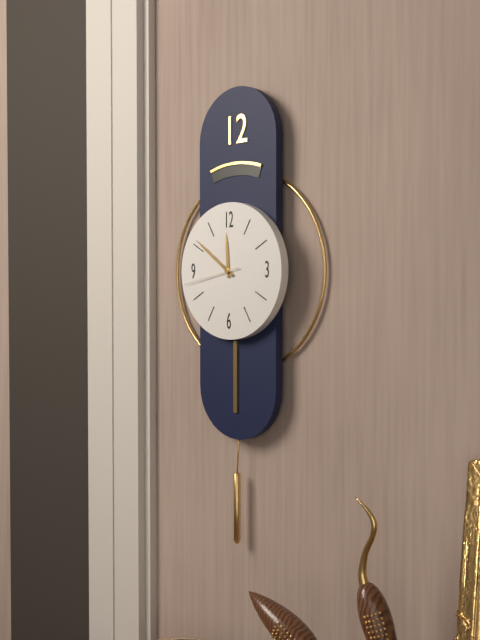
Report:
**11:51:43**
